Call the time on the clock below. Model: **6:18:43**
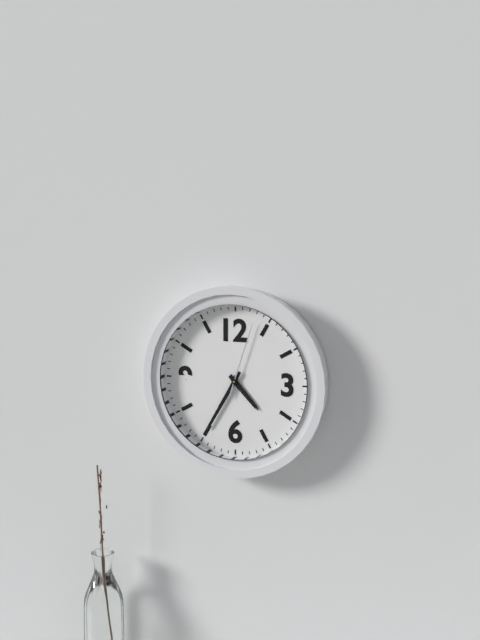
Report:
**4:35:03**
